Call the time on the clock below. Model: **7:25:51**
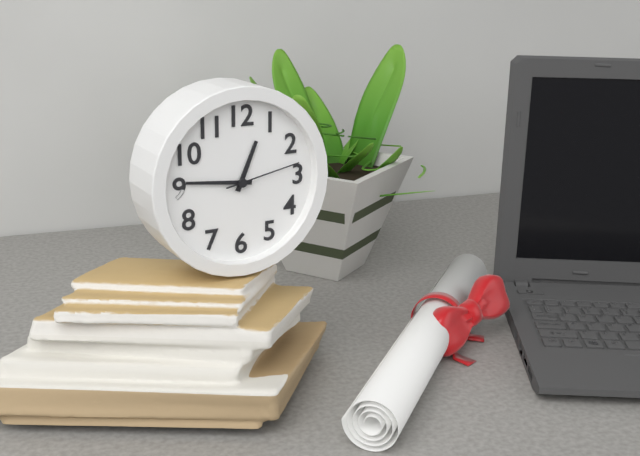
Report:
**12:46:13**
